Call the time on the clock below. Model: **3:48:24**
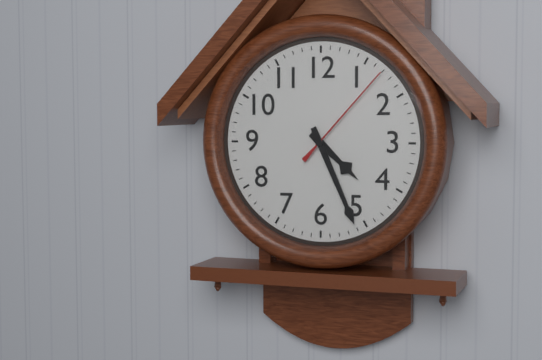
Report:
**4:26:07**
